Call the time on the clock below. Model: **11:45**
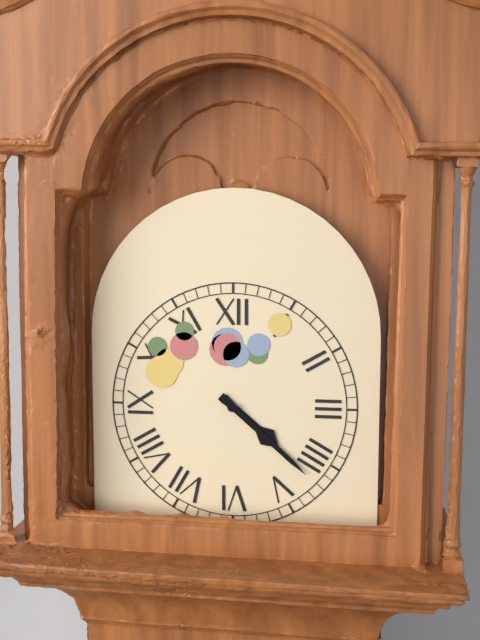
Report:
**4:22**
